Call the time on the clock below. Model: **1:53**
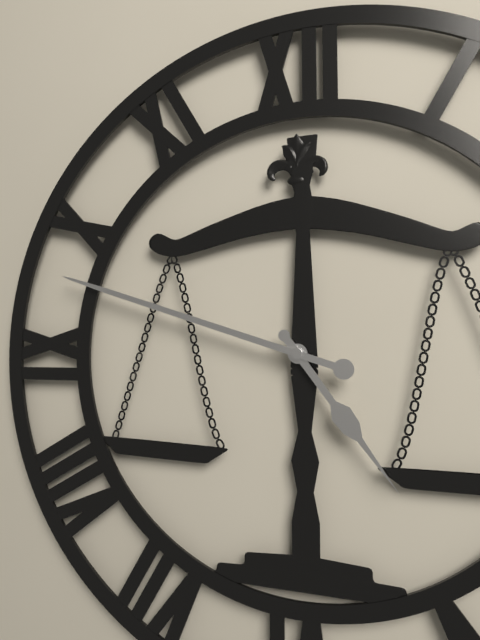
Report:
**4:48**
